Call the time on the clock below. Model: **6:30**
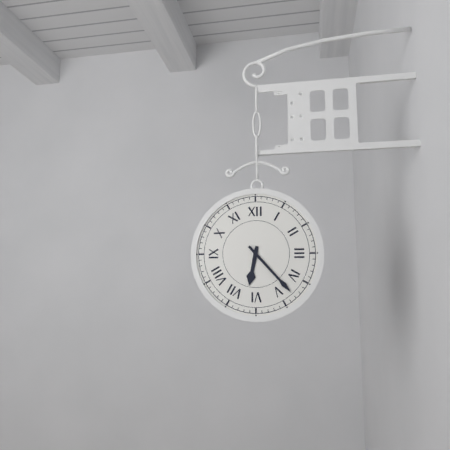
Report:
**6:23**
